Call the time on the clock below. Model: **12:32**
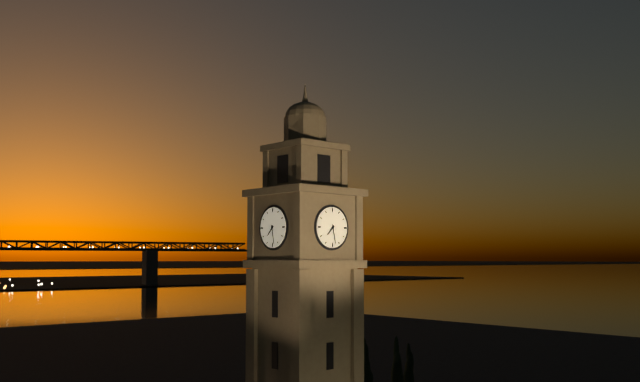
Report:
**7:28**
